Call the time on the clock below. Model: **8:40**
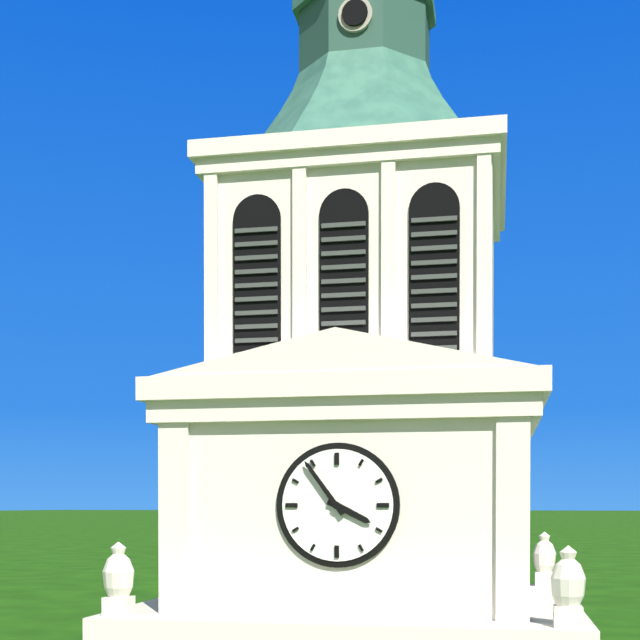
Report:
**3:54**
